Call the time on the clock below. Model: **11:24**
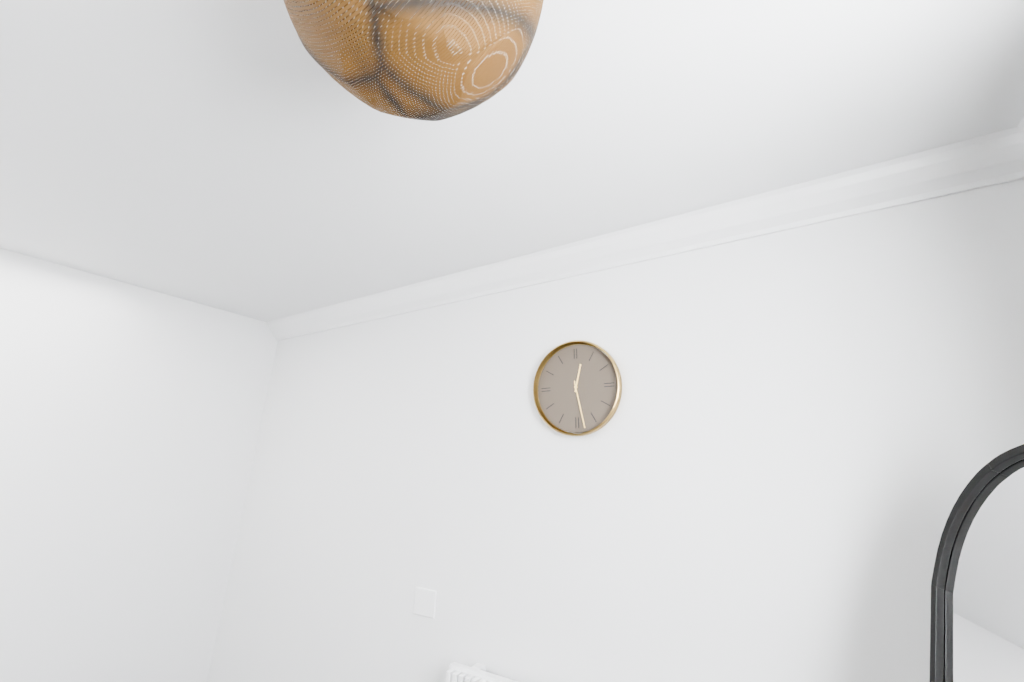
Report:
**12:28**
